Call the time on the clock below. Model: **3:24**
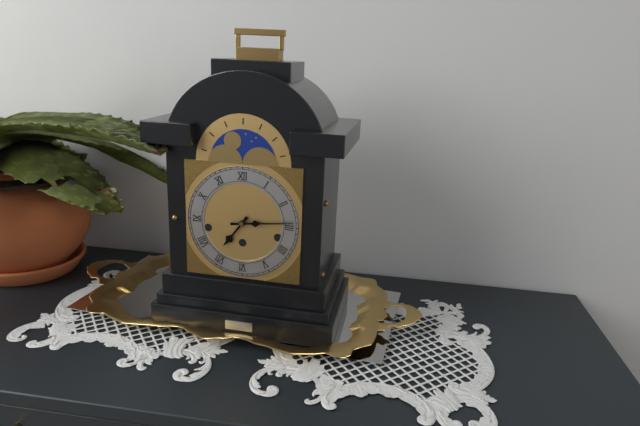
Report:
**7:14**
